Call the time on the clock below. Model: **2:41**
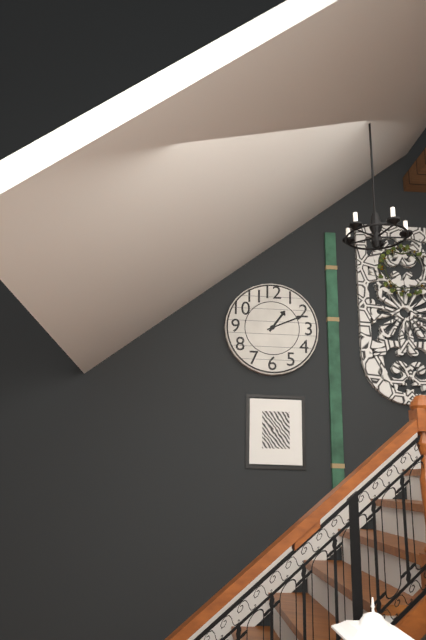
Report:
**1:11**
